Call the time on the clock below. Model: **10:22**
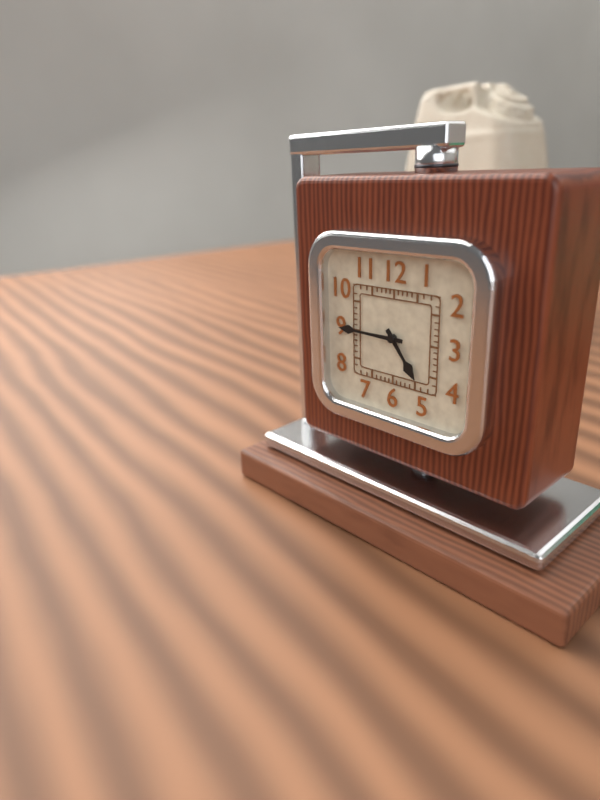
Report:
**4:45**
